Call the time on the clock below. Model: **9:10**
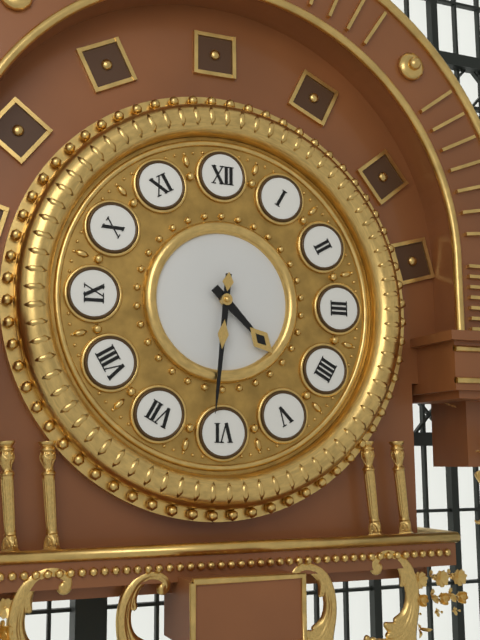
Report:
**4:31**
